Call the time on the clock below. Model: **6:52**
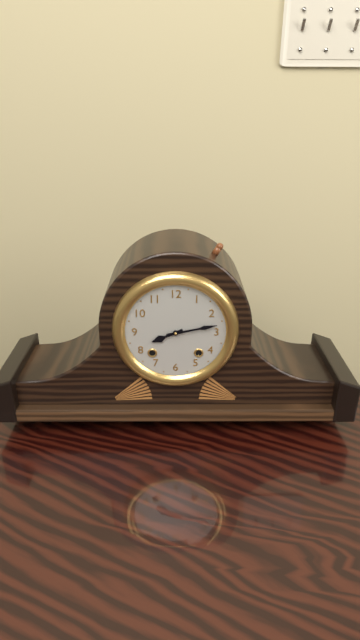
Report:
**8:13**
